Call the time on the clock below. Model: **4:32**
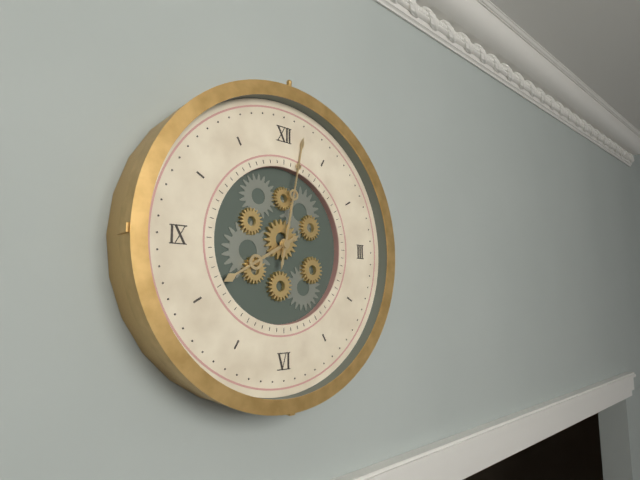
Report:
**8:02**
